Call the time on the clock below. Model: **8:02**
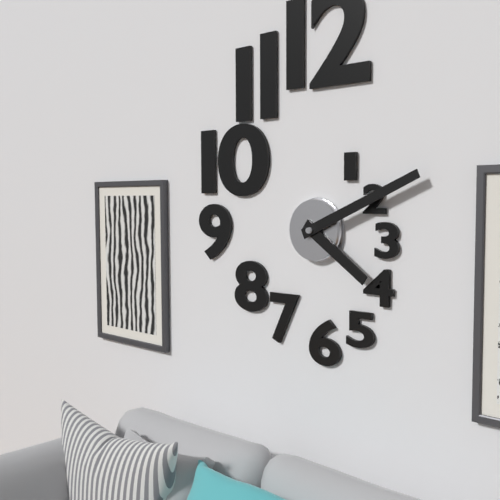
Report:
**4:11**
